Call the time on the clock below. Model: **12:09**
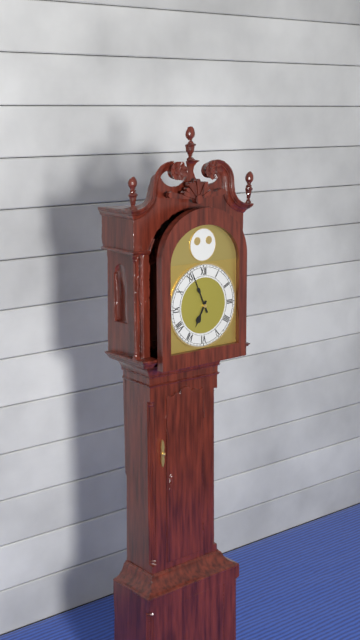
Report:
**6:56**
